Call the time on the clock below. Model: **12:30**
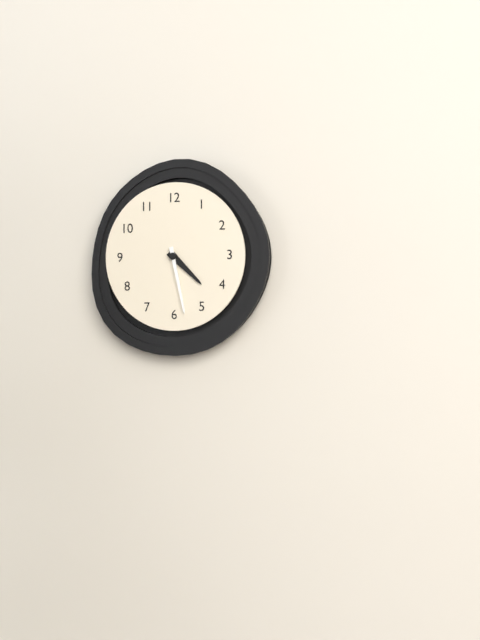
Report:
**4:28**
